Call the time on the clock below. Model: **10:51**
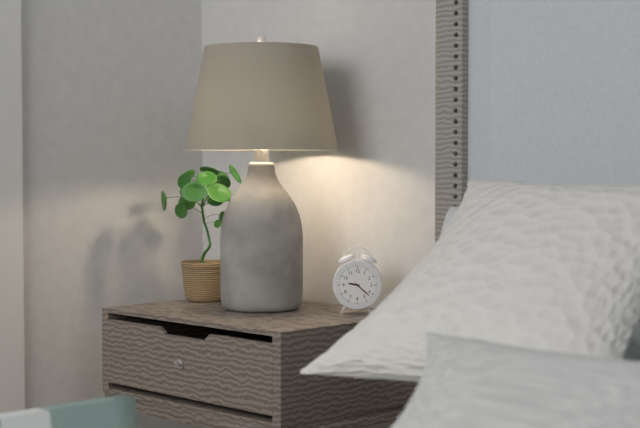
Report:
**9:22**
